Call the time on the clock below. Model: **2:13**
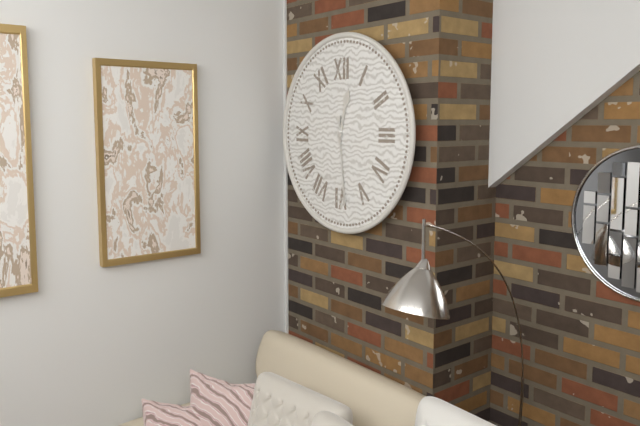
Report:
**12:29**
